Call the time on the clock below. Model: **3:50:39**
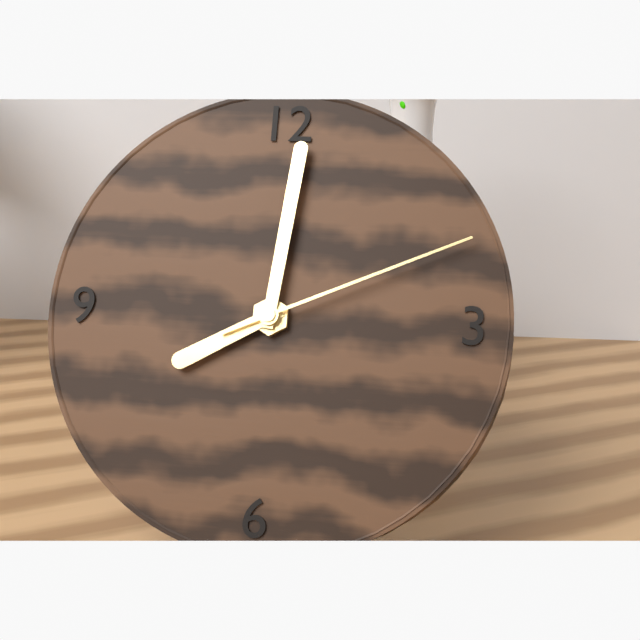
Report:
**8:01:11**
